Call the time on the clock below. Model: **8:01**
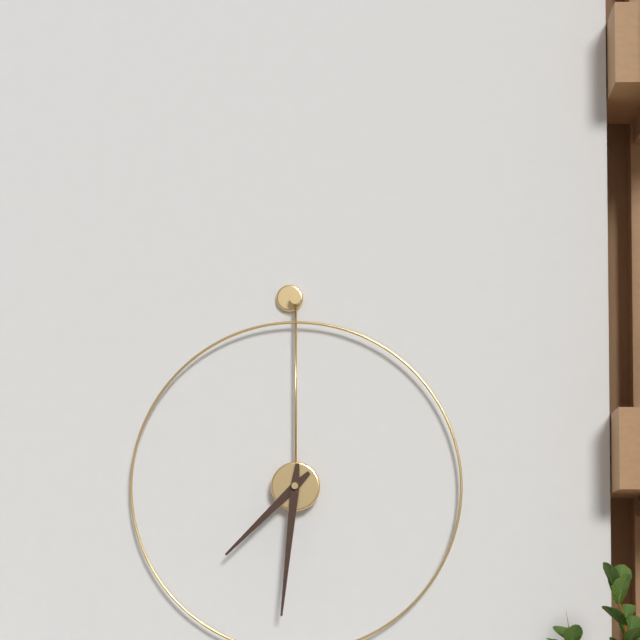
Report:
**7:31**
